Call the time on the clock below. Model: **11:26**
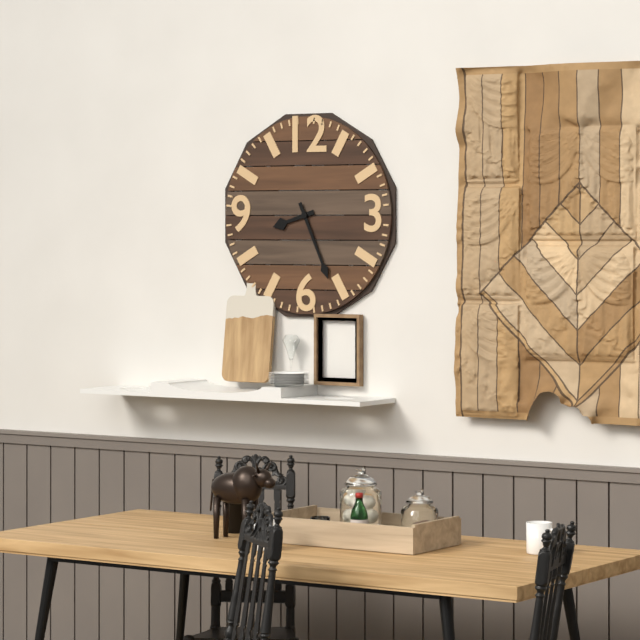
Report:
**8:26**
